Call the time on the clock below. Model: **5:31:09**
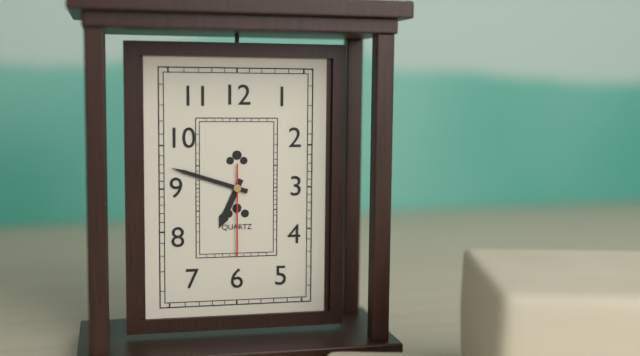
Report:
**6:48:30**
